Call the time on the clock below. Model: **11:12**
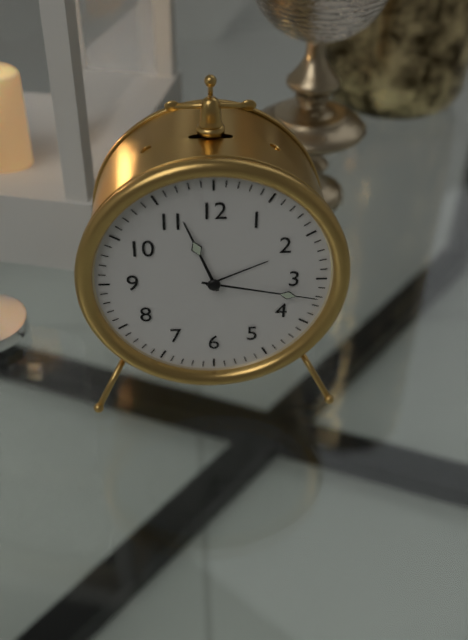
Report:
**11:17**
